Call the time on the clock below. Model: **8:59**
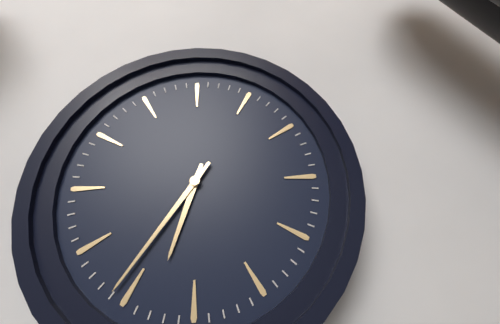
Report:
**6:36**
